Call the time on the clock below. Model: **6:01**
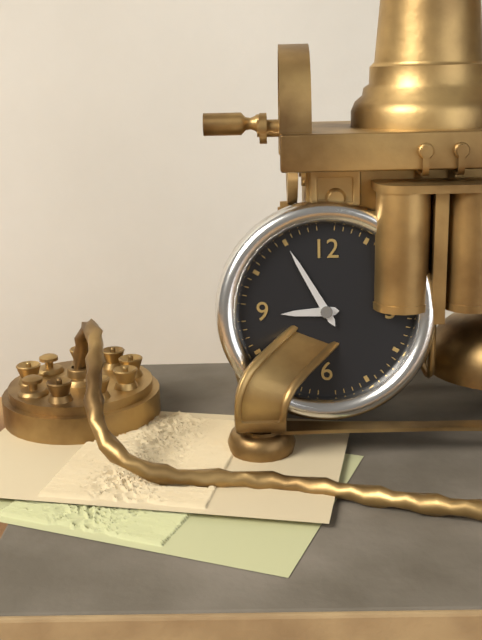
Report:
**8:55**
